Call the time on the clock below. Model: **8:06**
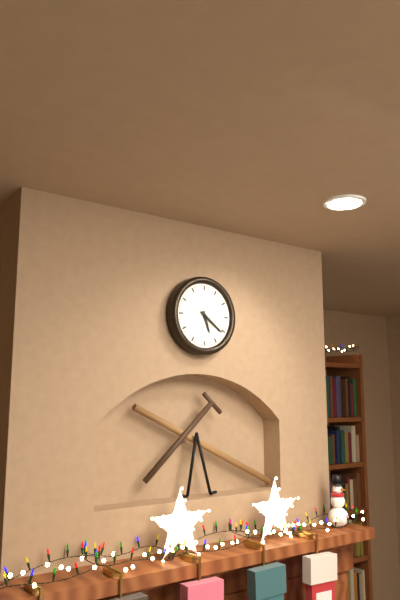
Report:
**5:21**
